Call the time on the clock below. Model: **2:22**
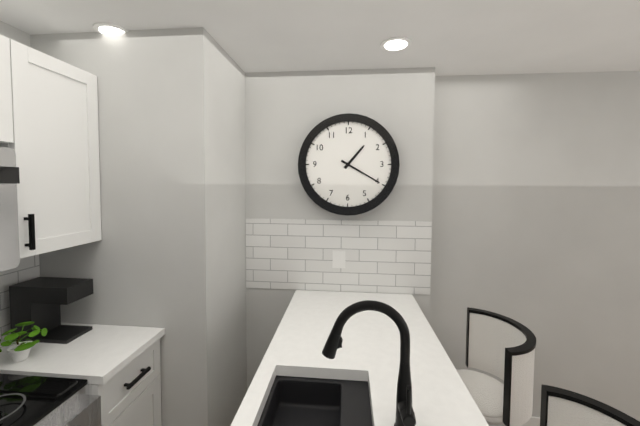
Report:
**1:20**
